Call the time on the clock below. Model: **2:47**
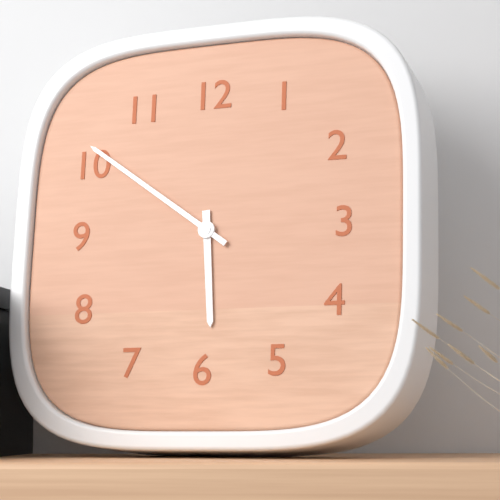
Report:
**5:51**
